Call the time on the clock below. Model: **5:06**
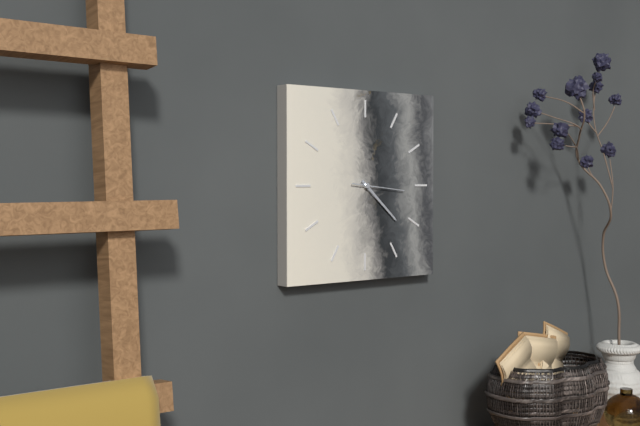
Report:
**4:22**
